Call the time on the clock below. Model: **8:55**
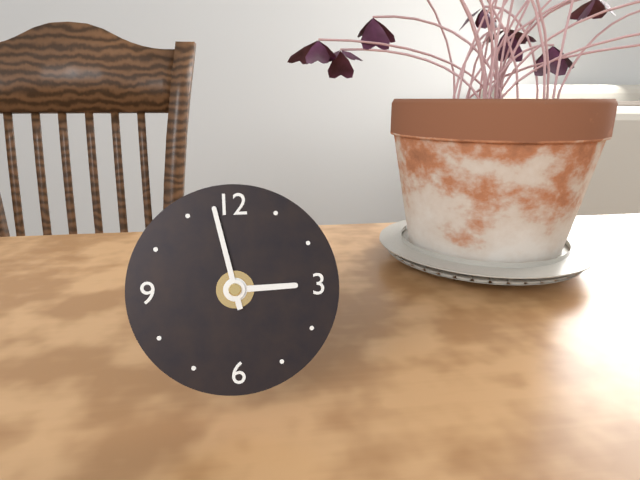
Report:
**2:58**
